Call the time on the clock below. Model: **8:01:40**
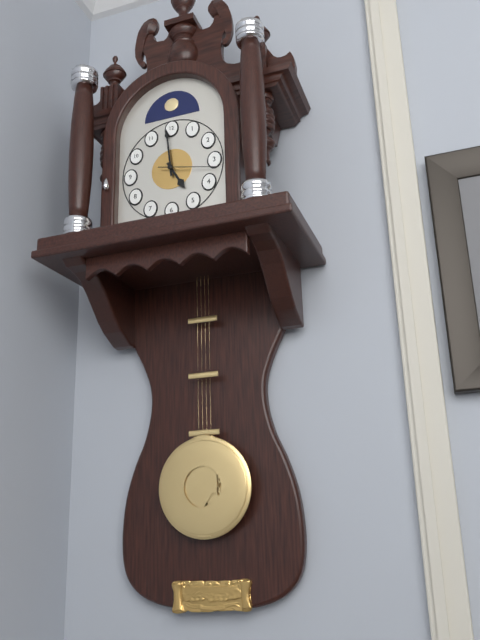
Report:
**4:59:17**
